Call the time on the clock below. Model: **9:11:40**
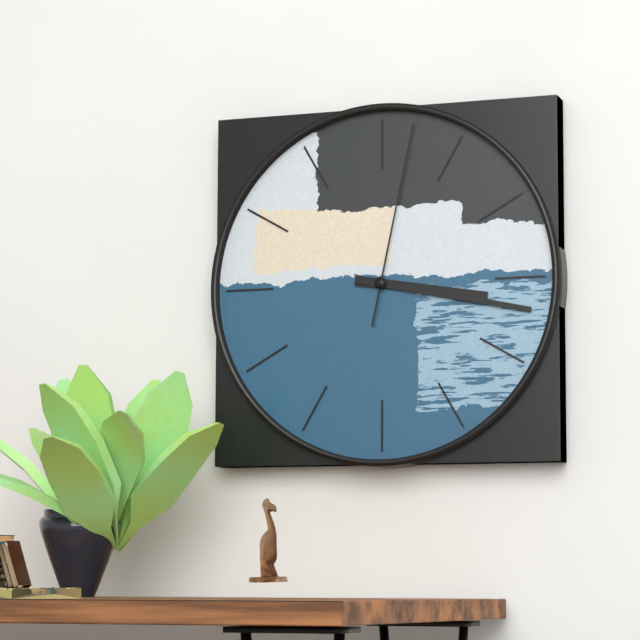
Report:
**3:17:02**
